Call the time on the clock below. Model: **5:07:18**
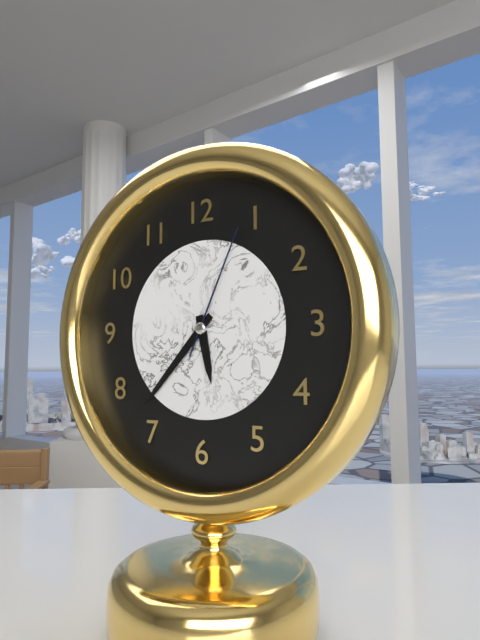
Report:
**5:37:04**
